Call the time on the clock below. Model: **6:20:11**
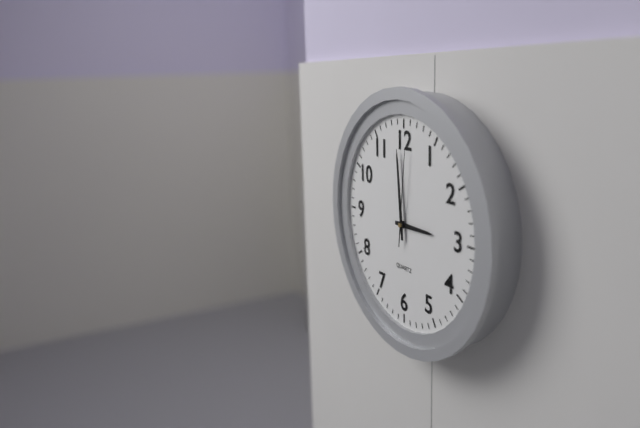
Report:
**2:59:01**
